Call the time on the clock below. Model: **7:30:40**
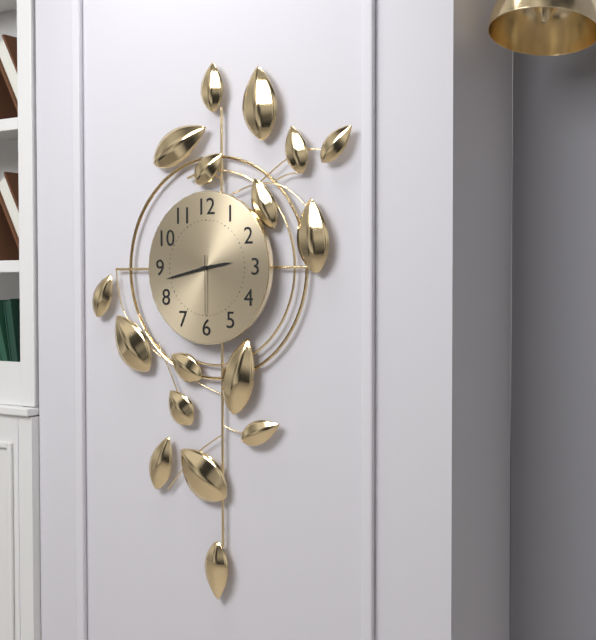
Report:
**2:43:30**
